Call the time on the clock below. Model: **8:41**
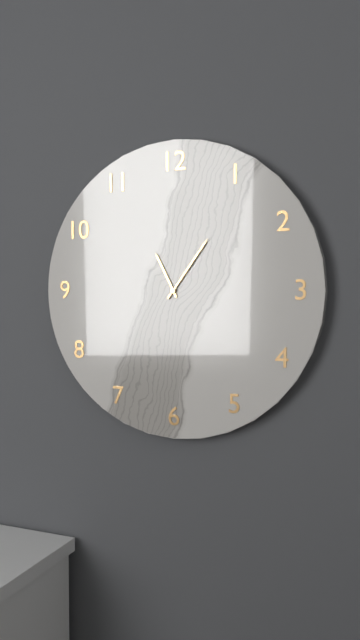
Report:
**11:06**
